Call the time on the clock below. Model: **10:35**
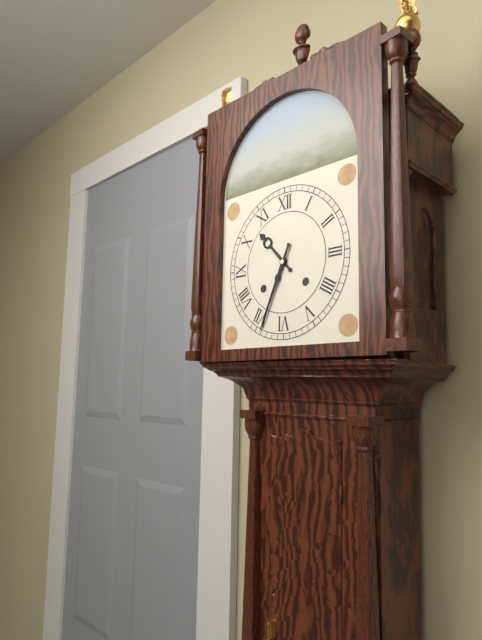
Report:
**10:34**
